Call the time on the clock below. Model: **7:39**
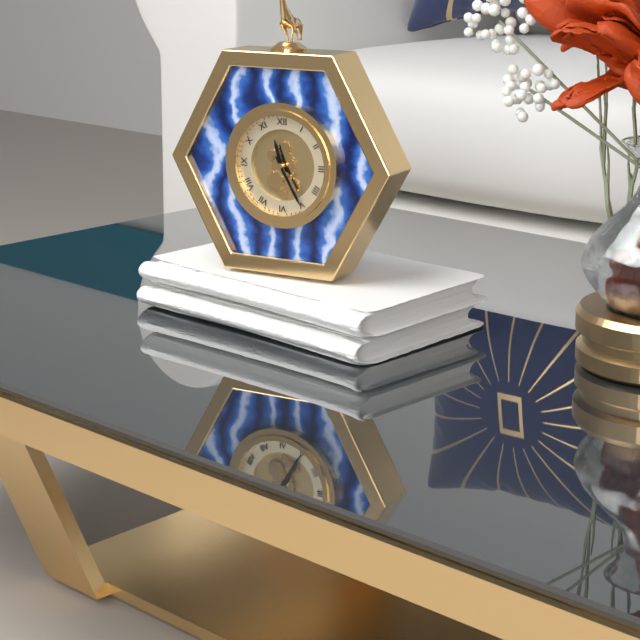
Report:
**11:25**
